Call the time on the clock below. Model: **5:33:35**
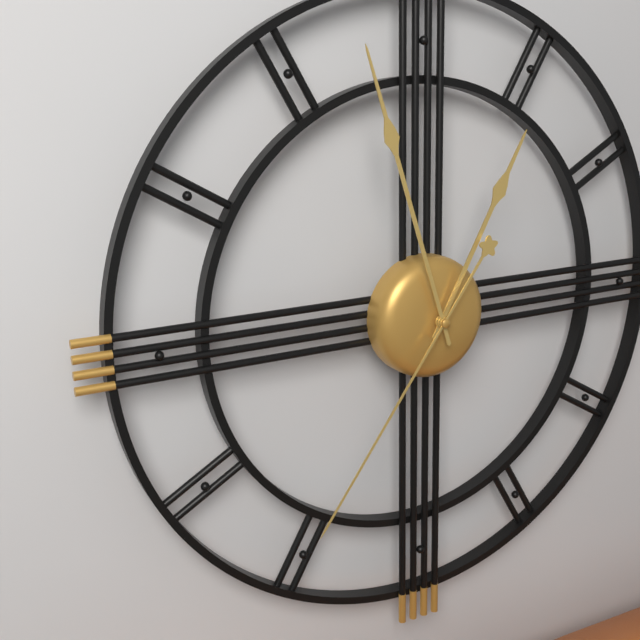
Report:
**12:57:36**
